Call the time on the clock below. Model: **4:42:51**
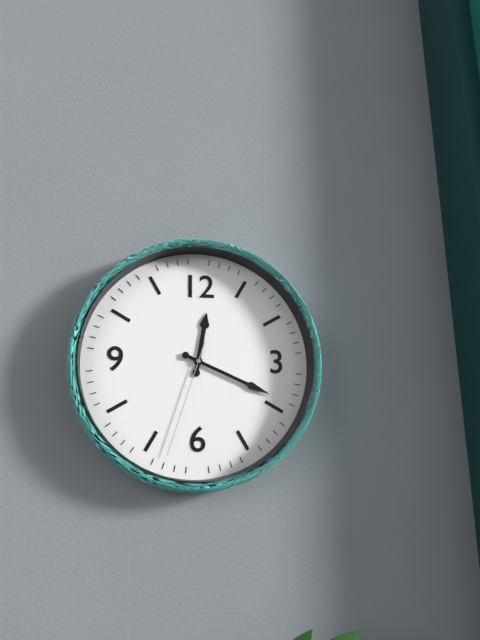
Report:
**12:19:33**
